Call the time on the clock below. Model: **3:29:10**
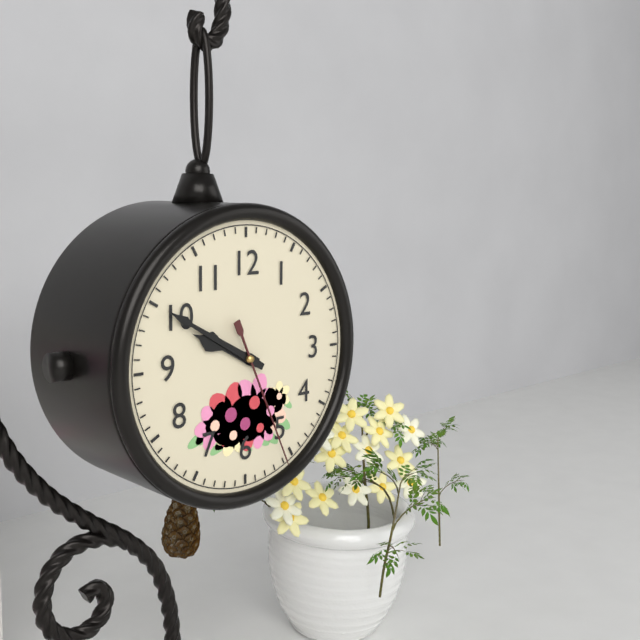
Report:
**9:50:26**
